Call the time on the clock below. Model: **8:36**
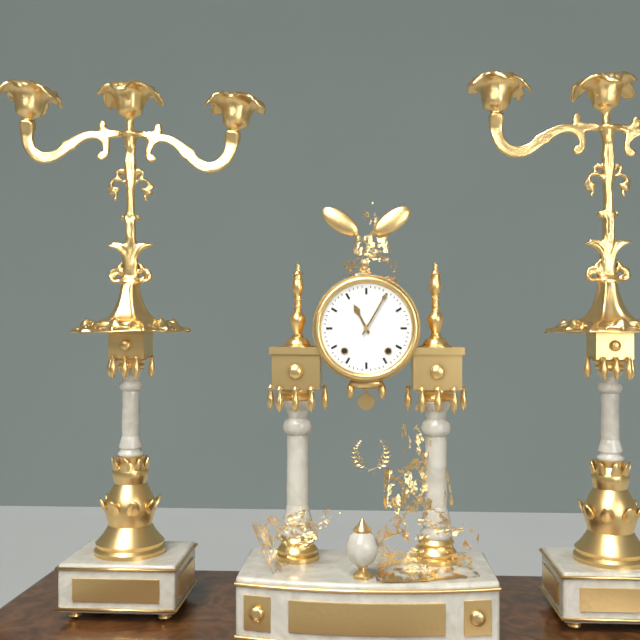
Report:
**11:05**
